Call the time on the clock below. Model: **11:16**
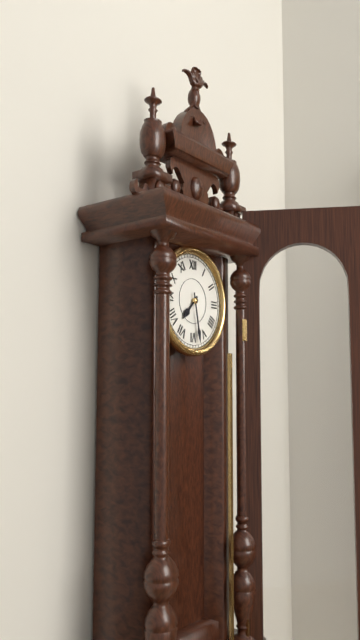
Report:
**7:28**
